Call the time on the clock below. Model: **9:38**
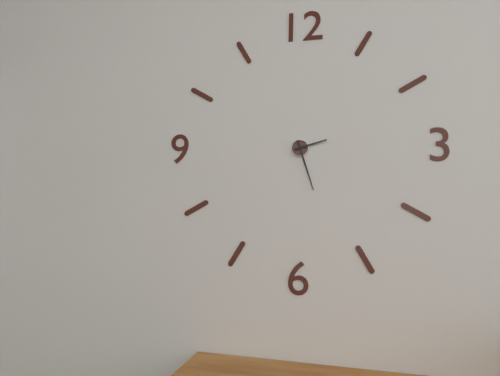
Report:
**2:27**
